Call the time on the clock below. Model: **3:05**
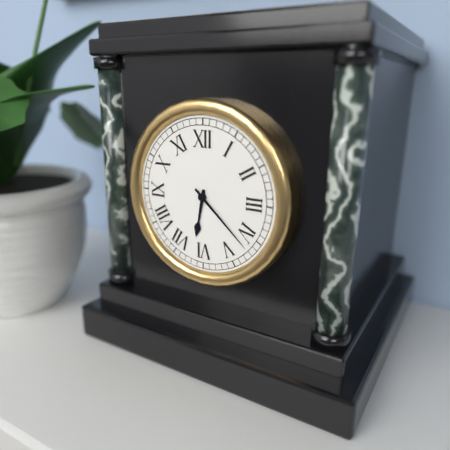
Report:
**6:22**
